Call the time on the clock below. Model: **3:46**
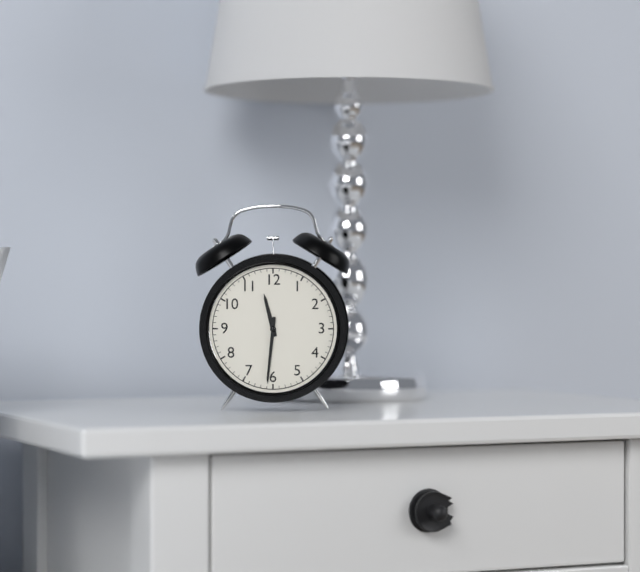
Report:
**11:31**
